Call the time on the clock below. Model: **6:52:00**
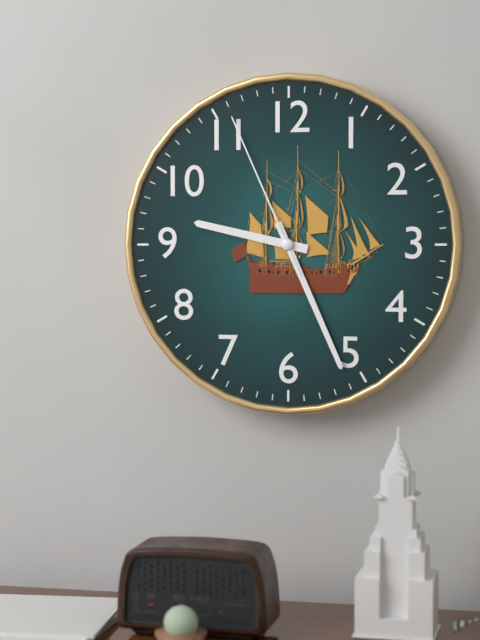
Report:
**9:26:56**
